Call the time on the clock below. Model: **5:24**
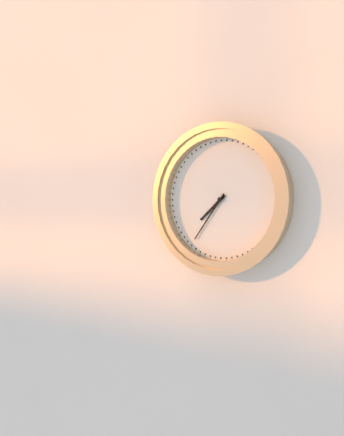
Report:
**7:36**
